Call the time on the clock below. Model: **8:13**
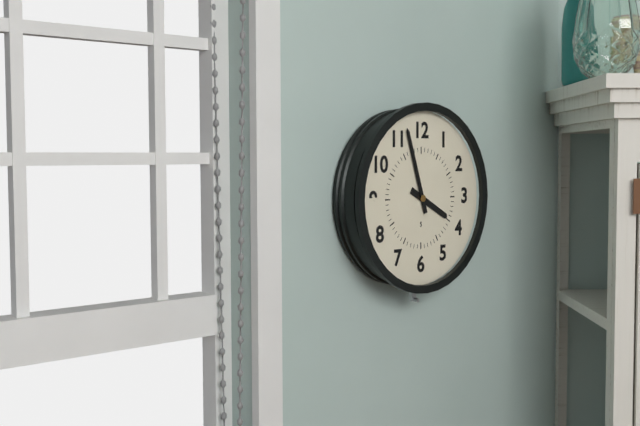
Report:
**3:57**
